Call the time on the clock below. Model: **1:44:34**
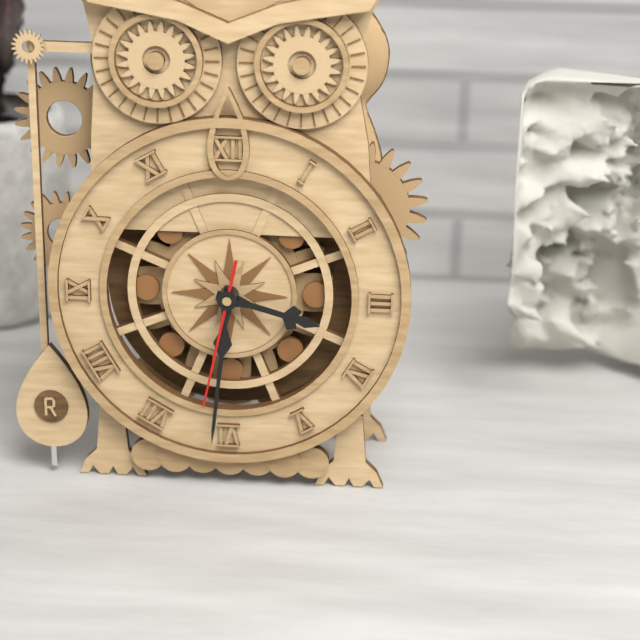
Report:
**3:31:32**
